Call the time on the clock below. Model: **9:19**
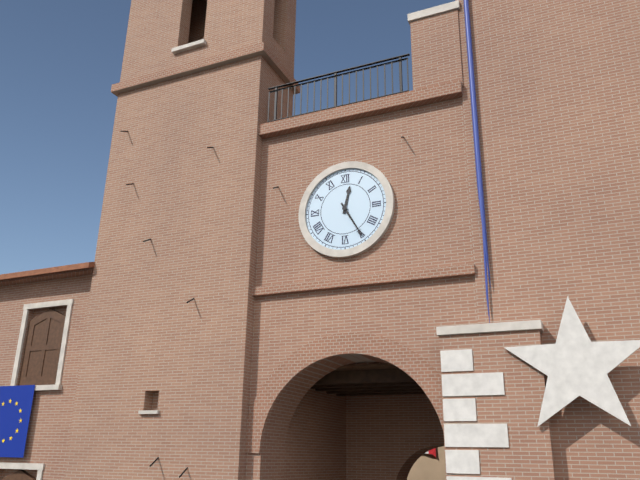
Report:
**12:25**
